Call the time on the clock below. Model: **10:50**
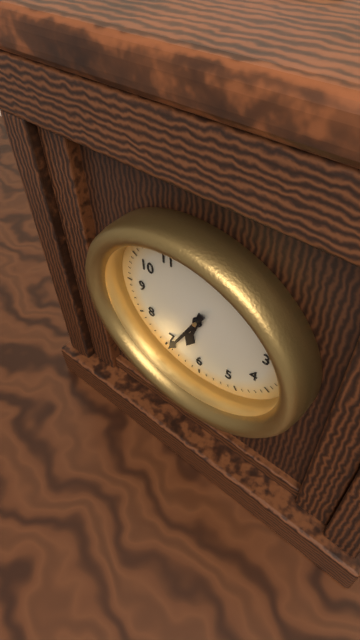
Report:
**6:35**
